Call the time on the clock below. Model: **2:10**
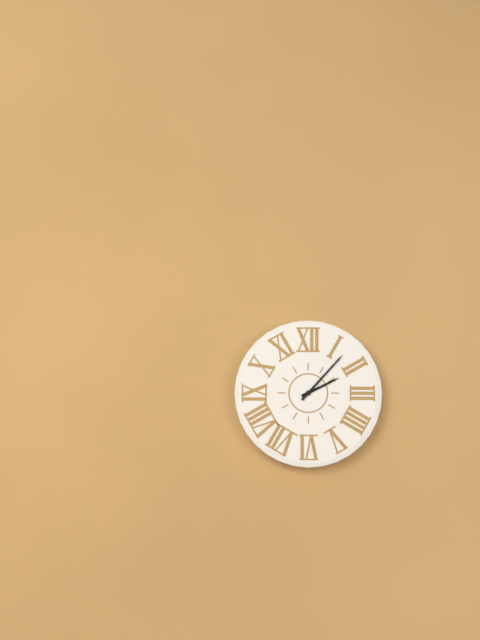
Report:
**2:07**
